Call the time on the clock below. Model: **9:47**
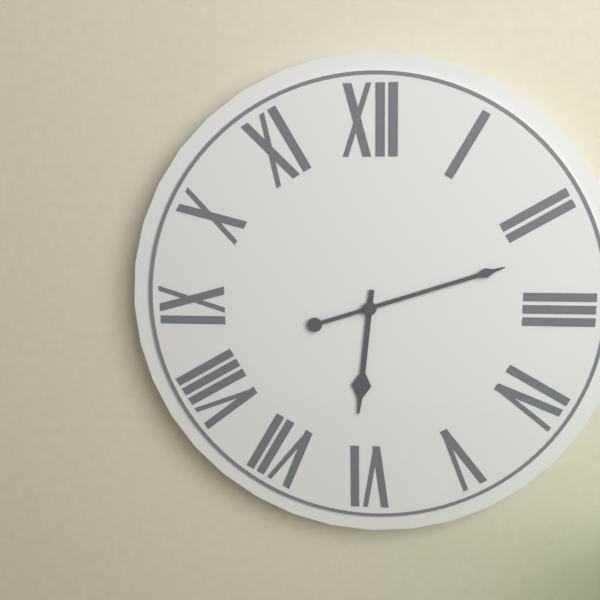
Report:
**6:12**
